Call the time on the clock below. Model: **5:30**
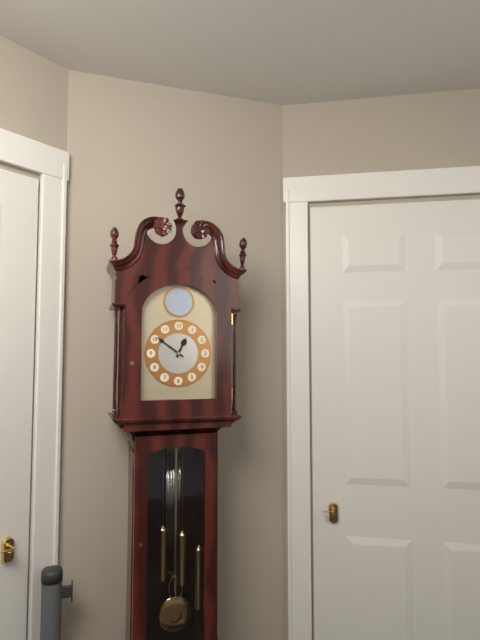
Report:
**12:51**
